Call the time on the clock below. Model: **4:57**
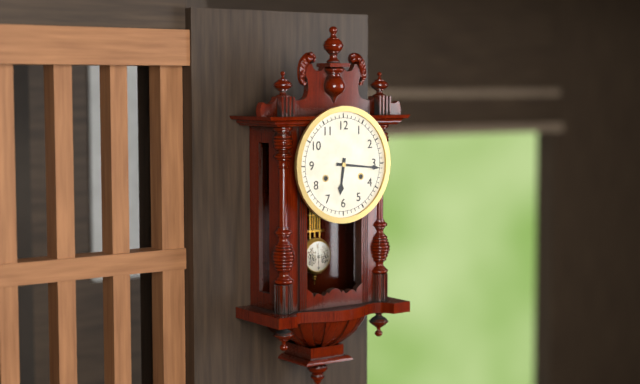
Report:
**6:16**
